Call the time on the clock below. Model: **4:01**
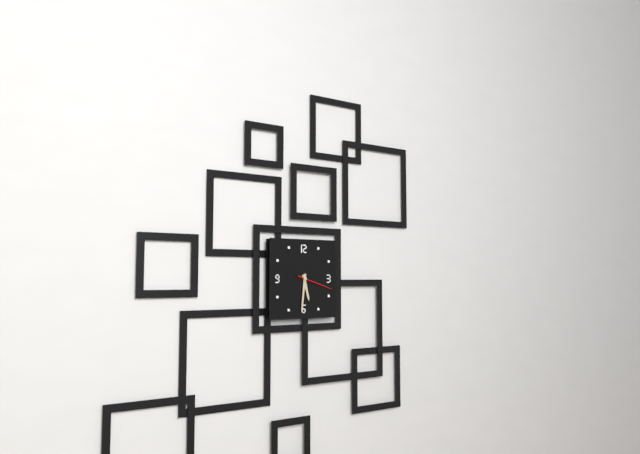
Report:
**5:31**
